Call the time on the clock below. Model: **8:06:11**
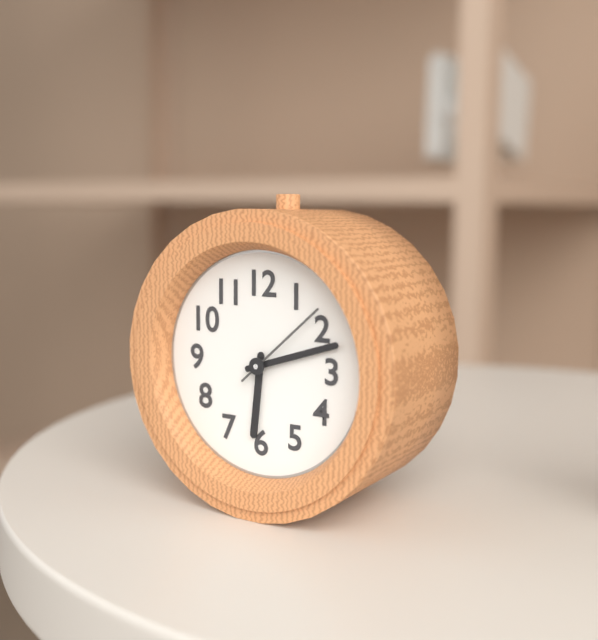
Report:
**6:12:08**
